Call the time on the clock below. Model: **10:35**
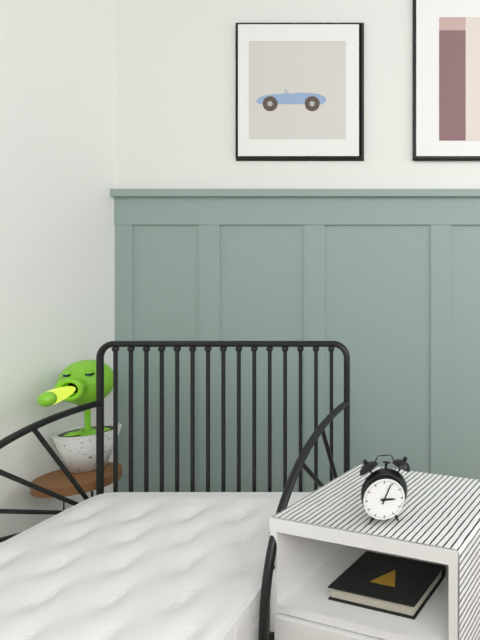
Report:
**3:04**
